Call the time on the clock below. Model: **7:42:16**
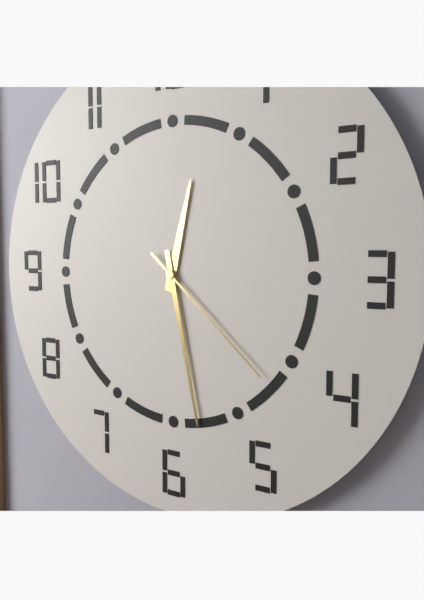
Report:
**12:28:22**
